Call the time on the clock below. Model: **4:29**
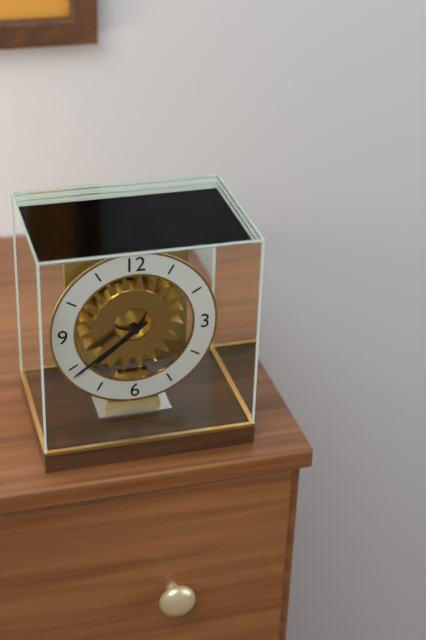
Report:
**7:39**
